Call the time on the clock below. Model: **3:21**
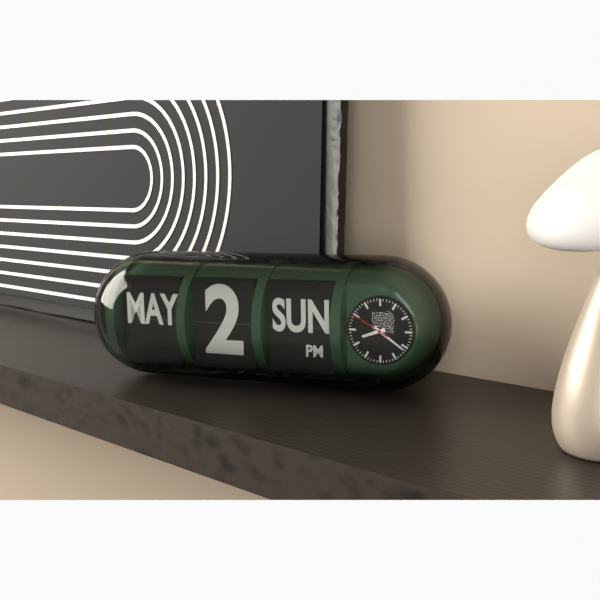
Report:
**8:21**
